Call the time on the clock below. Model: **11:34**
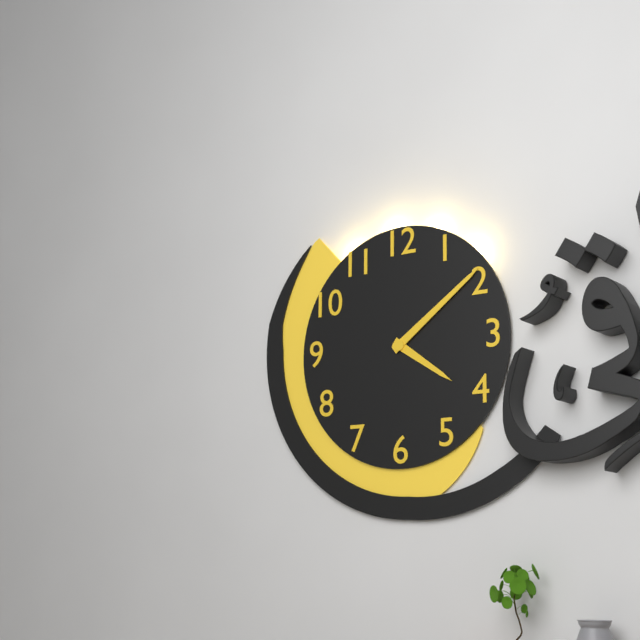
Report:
**4:09**
